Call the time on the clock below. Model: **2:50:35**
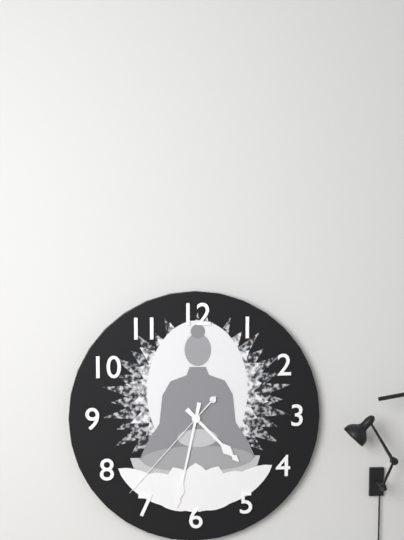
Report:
**4:32:37**
